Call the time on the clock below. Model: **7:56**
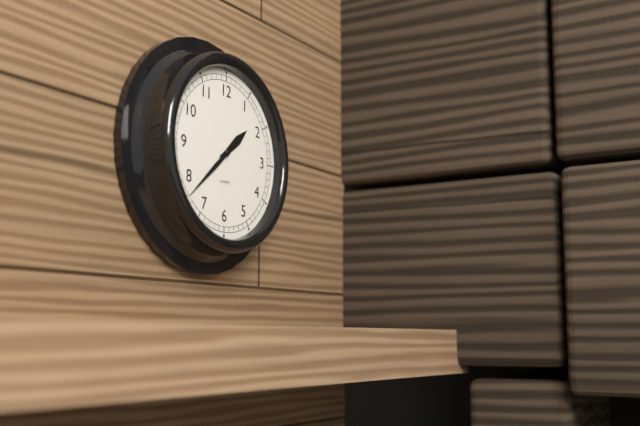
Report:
**1:38**
